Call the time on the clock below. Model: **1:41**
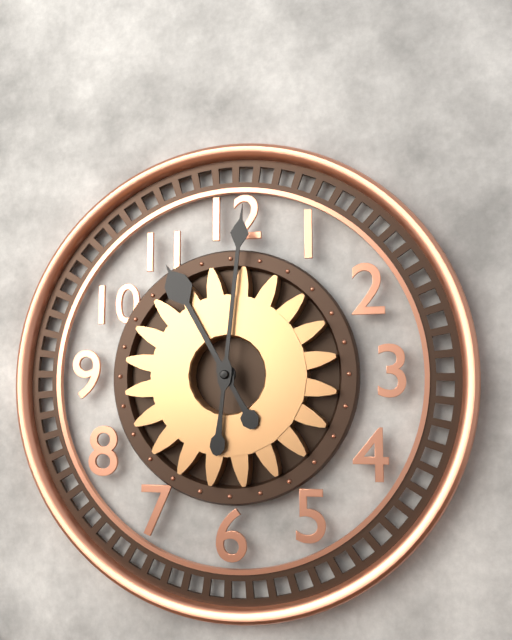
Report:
**11:01**
